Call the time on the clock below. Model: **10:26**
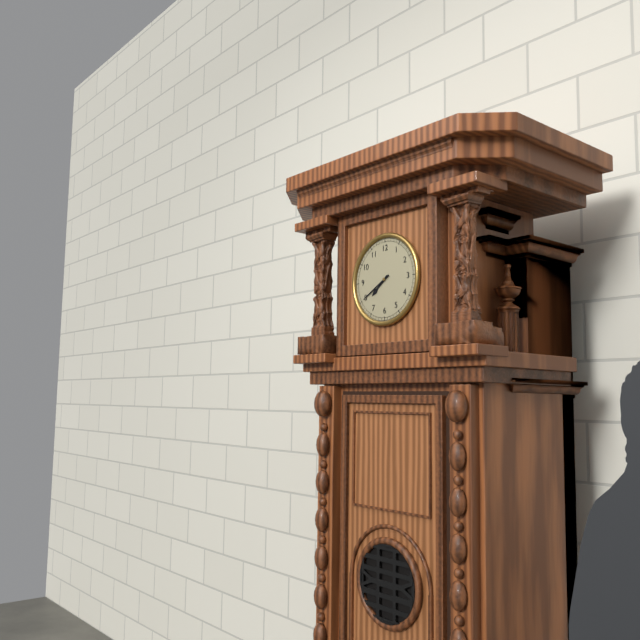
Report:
**7:40**
